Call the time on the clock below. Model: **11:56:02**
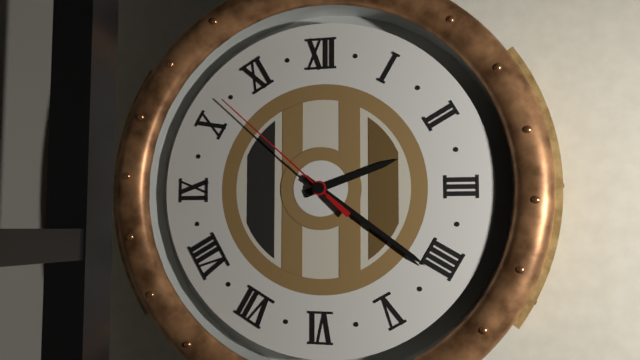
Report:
**2:21:52**
